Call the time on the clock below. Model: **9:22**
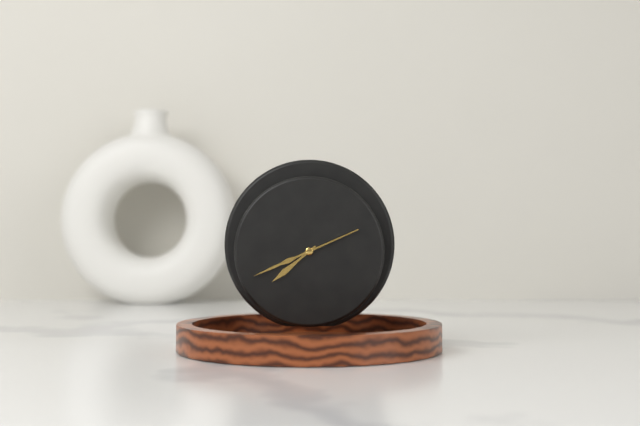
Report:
**7:41**
